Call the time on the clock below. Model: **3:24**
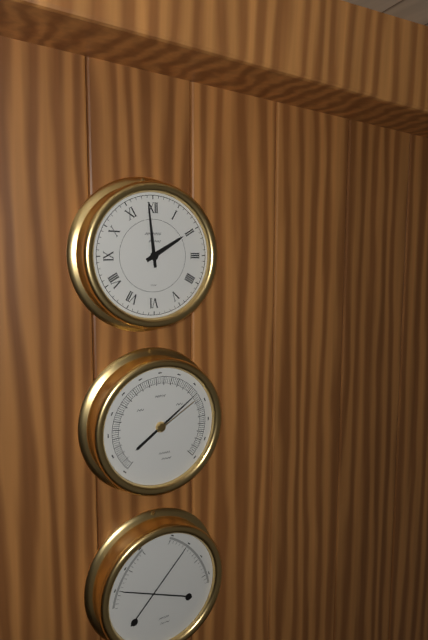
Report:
**1:59**
